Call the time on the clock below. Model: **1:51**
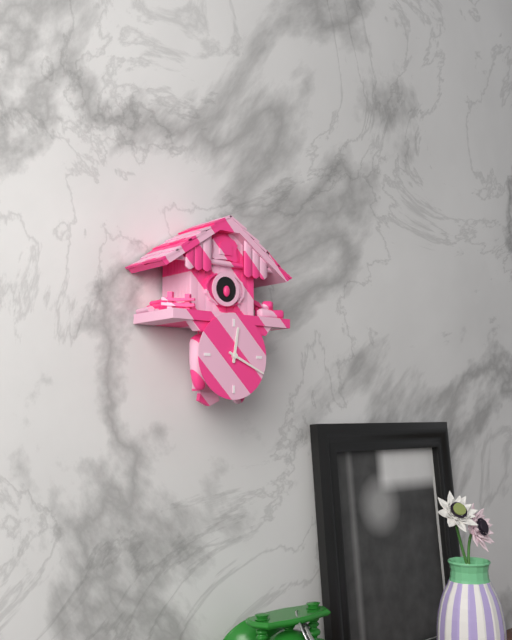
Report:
**12:19**
